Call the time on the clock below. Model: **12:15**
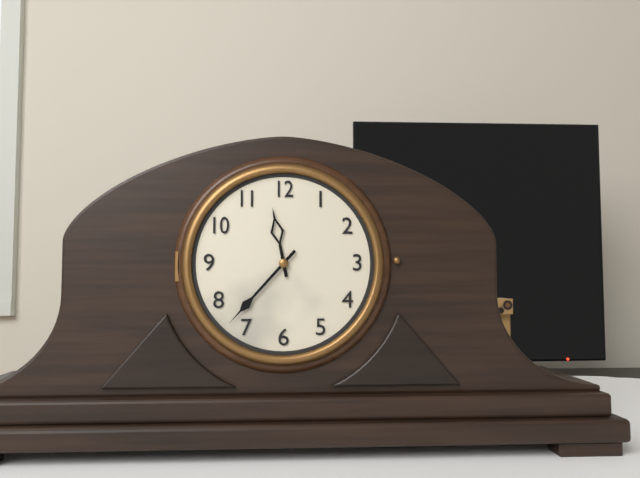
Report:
**11:37**
